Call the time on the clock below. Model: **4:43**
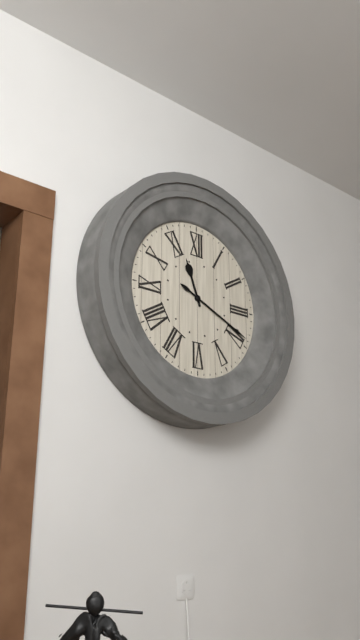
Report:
**11:19**
